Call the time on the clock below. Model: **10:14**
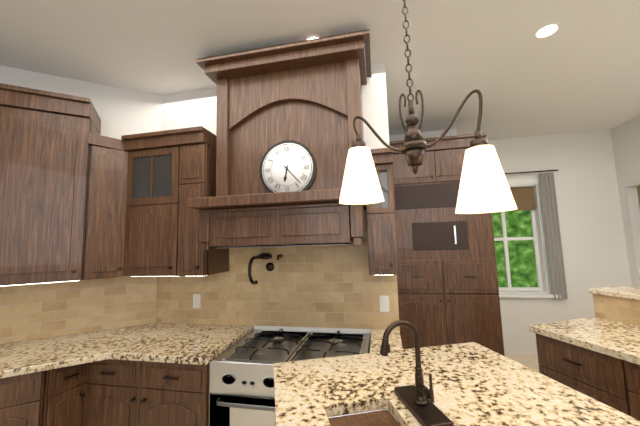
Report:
**6:23**
